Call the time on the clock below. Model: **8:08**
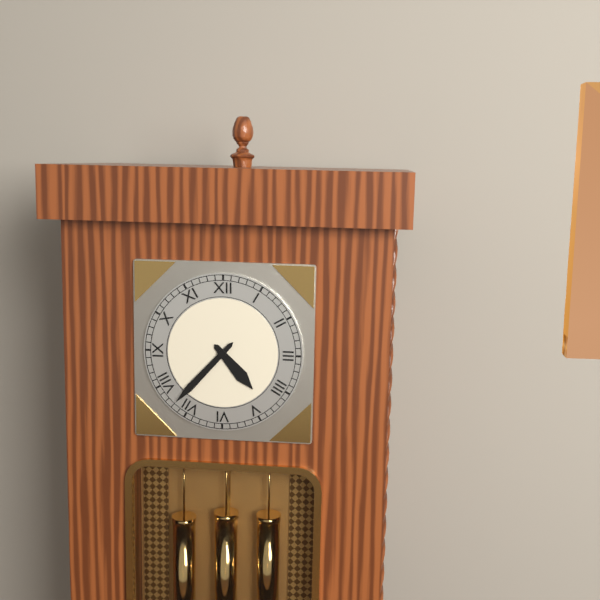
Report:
**4:37**
